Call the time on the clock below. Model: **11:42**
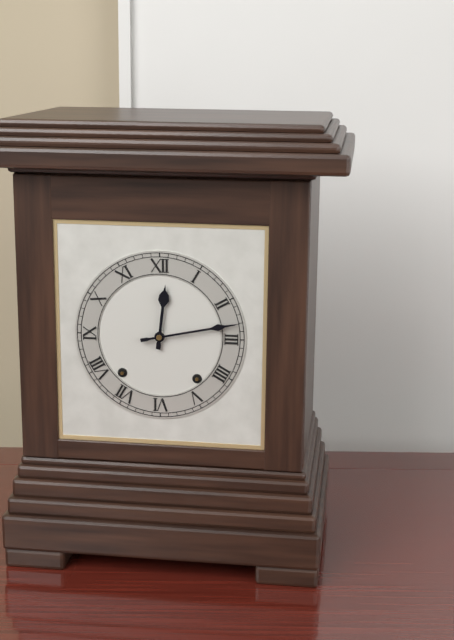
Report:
**12:13**
